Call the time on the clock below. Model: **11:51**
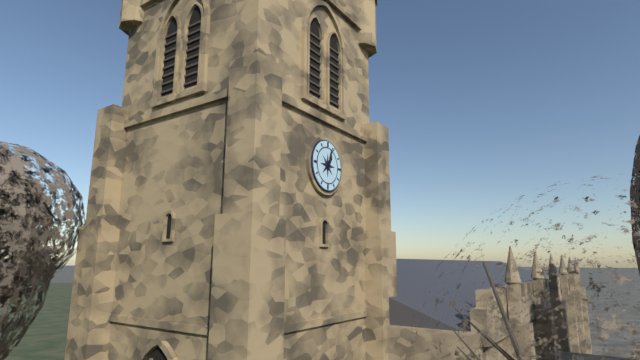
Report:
**1:03**
